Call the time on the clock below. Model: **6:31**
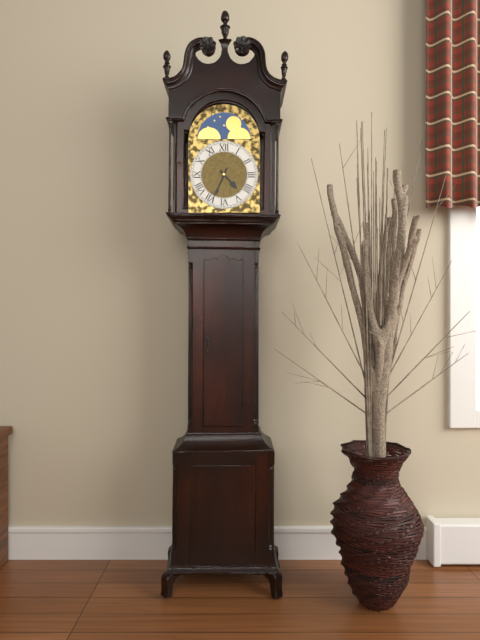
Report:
**4:34**
